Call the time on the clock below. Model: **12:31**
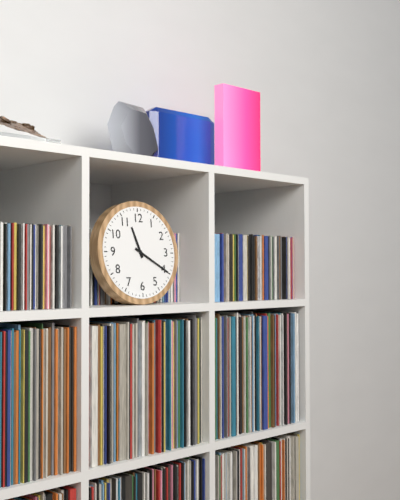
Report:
**11:20**
